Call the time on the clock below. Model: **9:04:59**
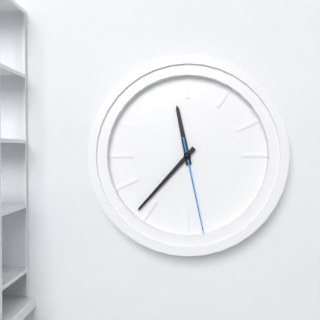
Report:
**11:37:28**
